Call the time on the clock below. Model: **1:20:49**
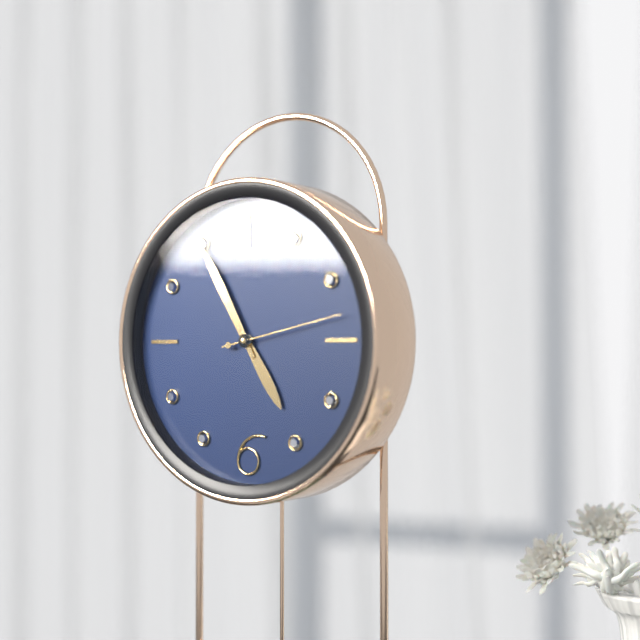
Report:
**4:55:13**
